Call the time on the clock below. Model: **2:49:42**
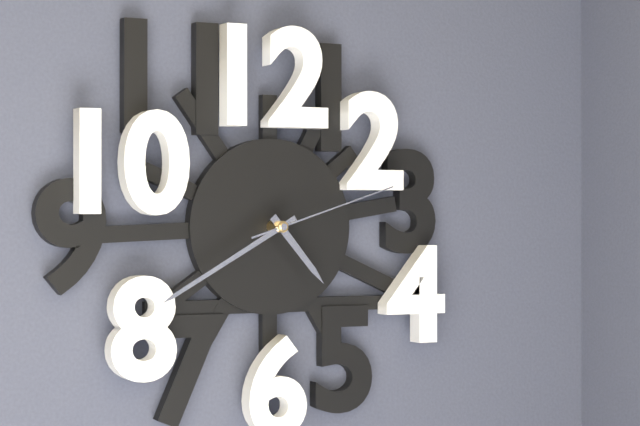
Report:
**4:40:12**
